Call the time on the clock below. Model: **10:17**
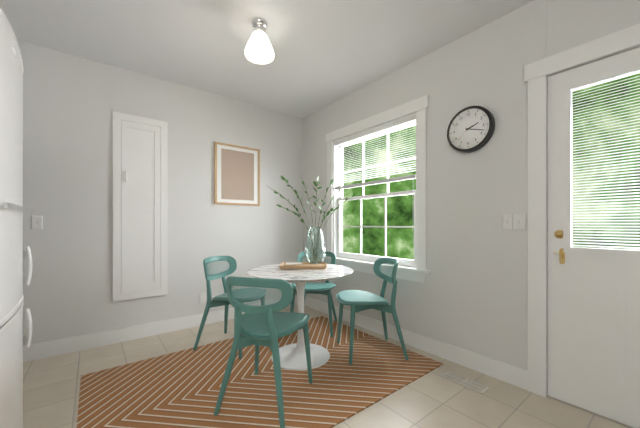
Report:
**2:18**
